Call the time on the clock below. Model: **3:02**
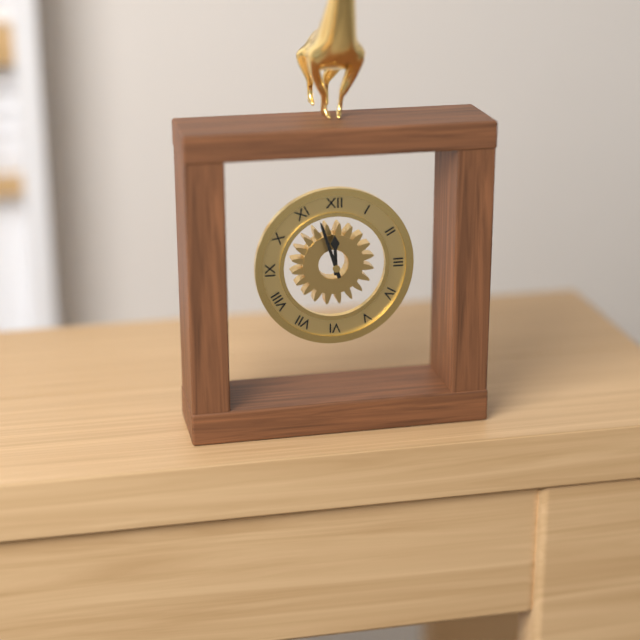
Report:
**11:57**
